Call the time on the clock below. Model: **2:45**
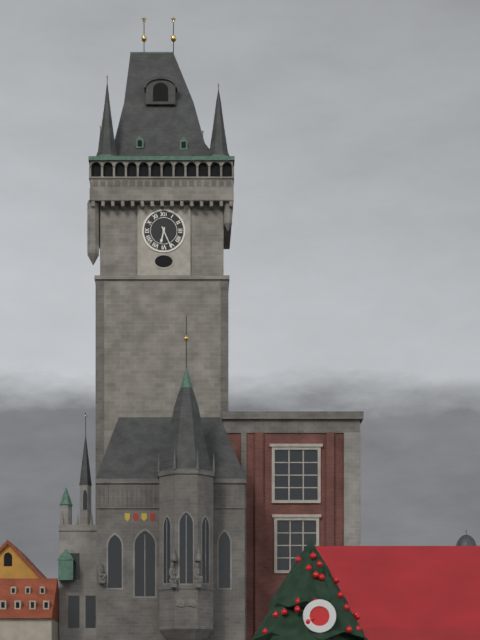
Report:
**6:26**
